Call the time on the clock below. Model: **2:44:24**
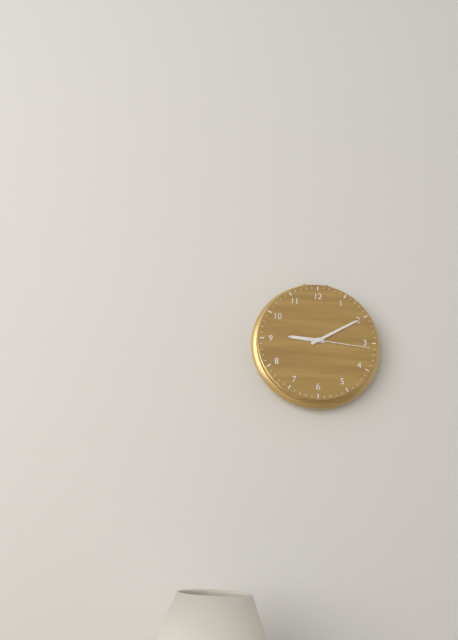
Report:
**9:10:16**
